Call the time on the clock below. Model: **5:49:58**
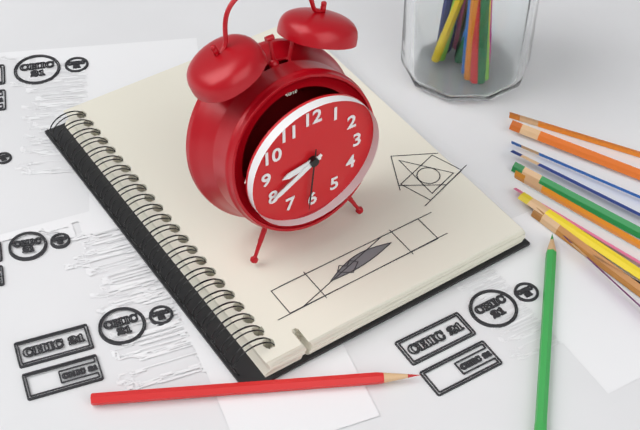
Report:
**8:40:31**
